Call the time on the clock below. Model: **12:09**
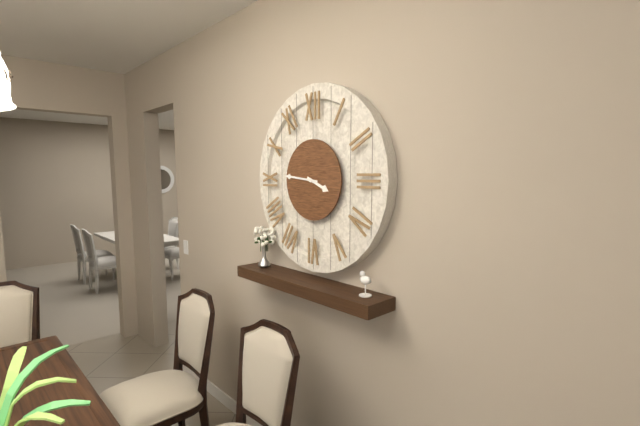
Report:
**3:46**
